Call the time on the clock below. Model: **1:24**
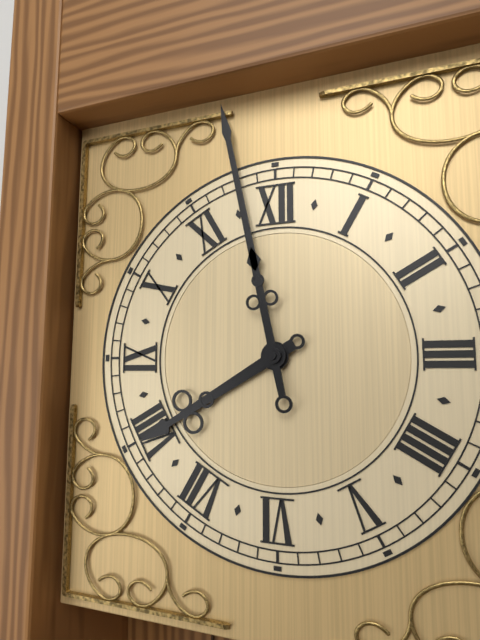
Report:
**7:58**
